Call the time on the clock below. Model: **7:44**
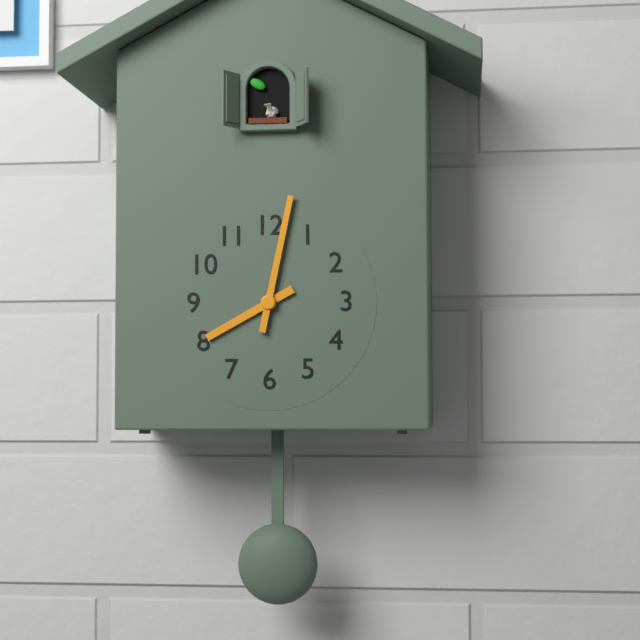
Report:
**8:02**
